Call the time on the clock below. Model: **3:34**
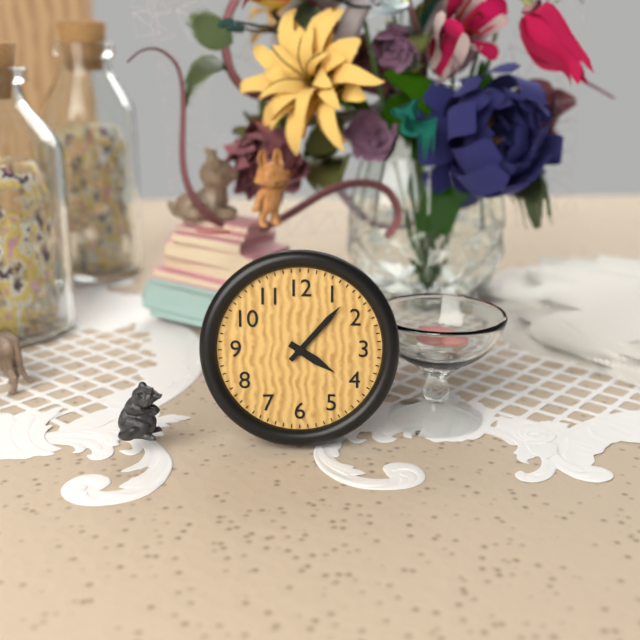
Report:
**4:07**
